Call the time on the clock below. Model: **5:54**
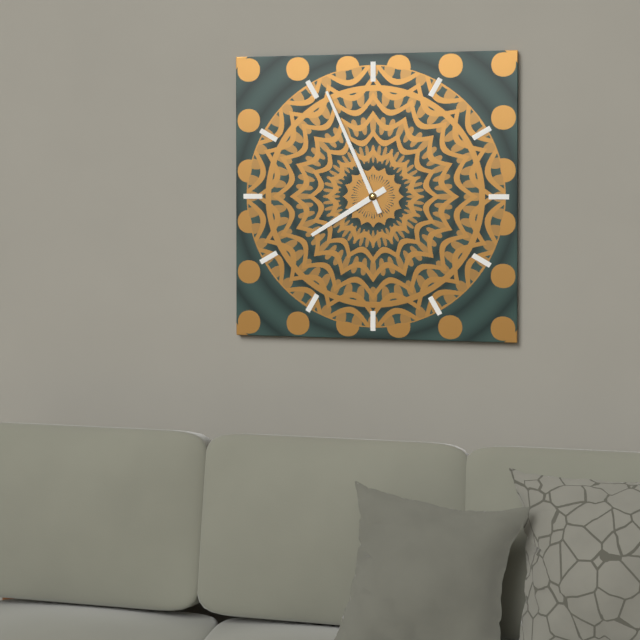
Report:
**7:56**
